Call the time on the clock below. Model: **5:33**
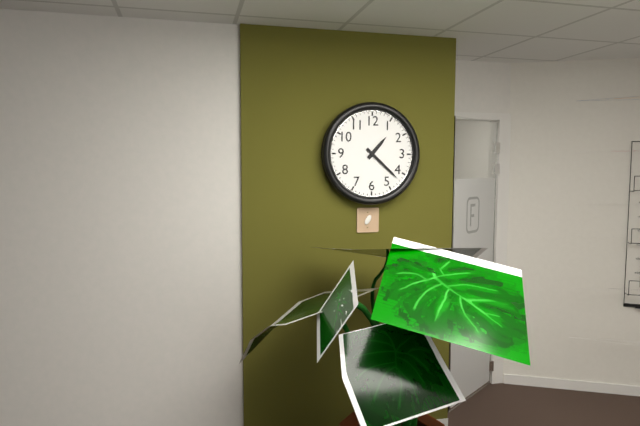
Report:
**1:22**
